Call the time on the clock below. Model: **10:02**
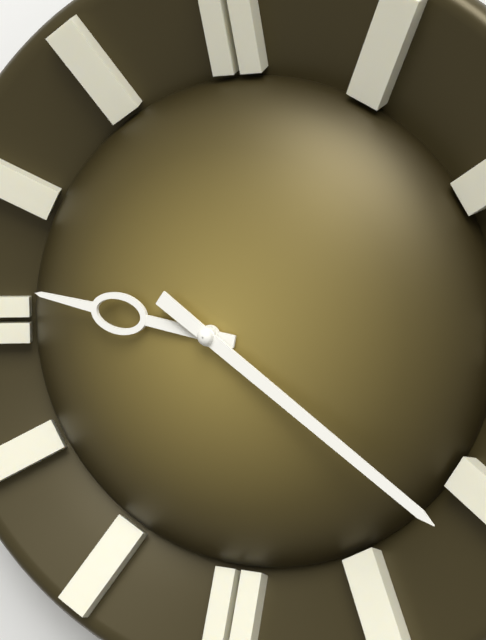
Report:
**9:21**
